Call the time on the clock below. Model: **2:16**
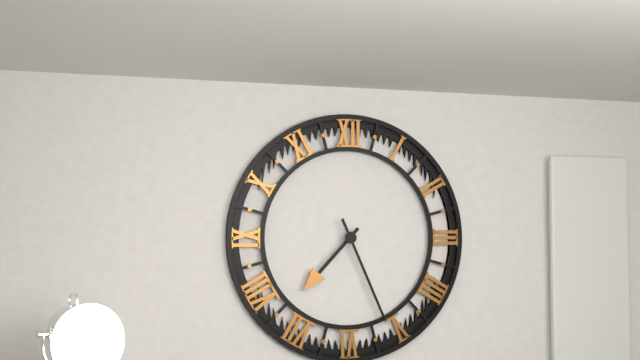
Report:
**7:26**
